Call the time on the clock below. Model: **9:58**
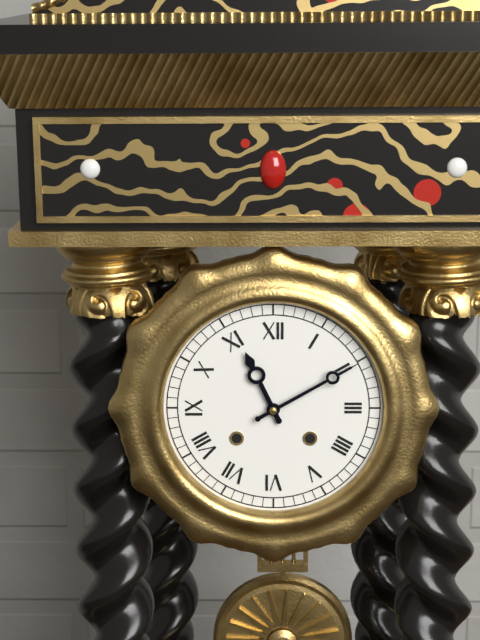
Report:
**11:10**
